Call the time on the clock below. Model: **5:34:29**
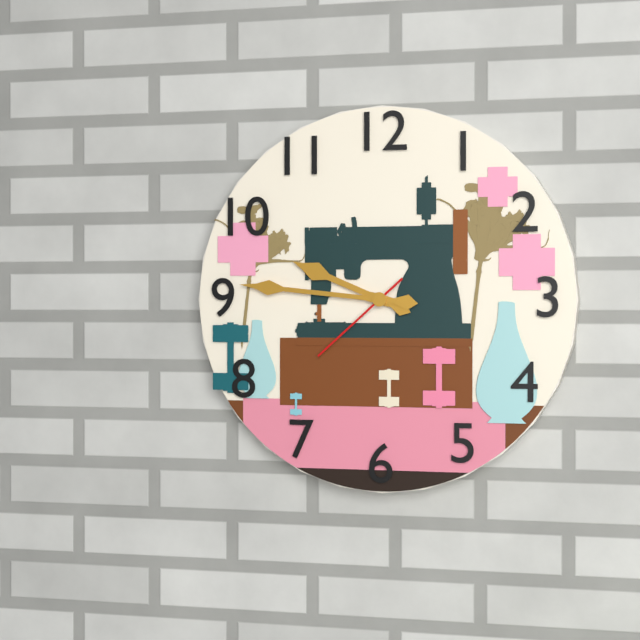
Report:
**9:46:38**
